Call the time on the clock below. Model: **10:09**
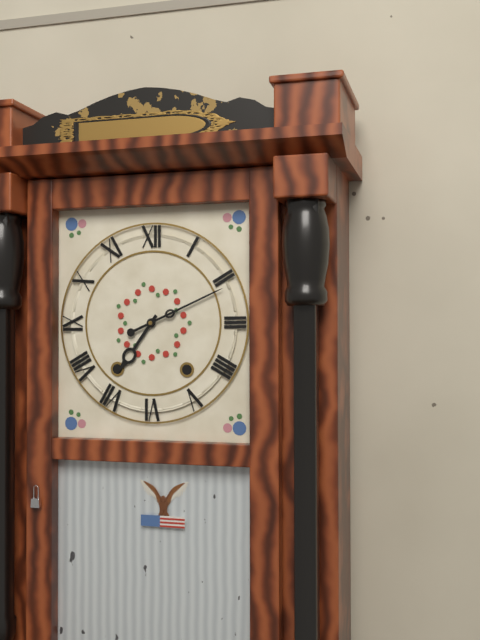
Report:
**7:11**
